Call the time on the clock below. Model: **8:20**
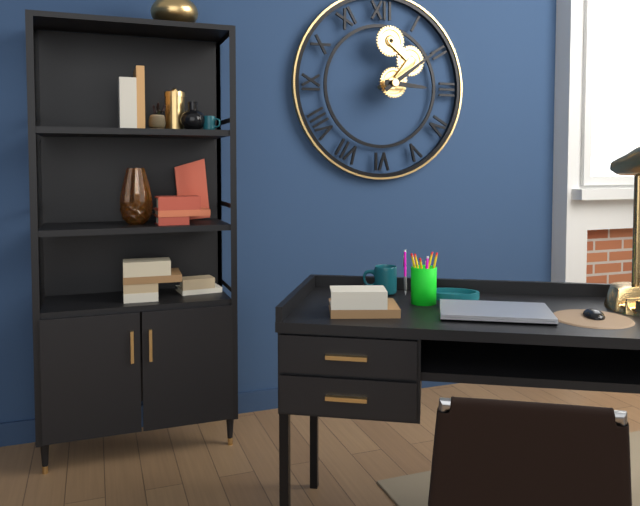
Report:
**3:09**
